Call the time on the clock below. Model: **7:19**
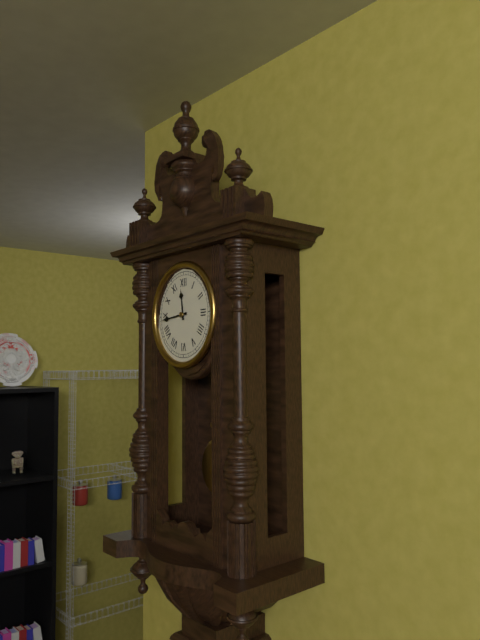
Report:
**11:44**
